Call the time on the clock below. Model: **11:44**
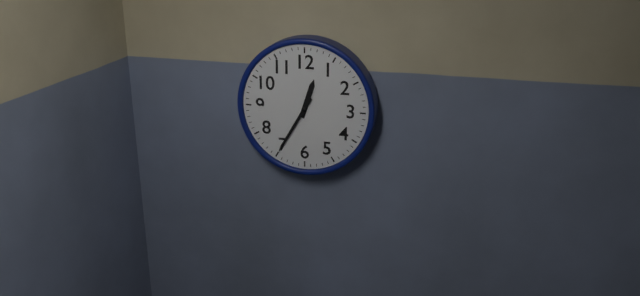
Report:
**12:35**
